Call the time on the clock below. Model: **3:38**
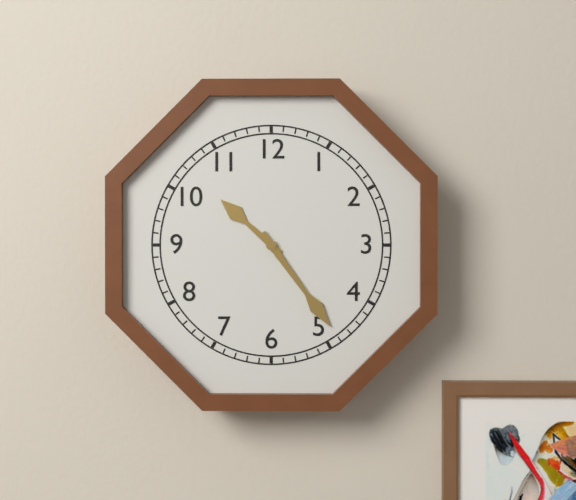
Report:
**10:24**
